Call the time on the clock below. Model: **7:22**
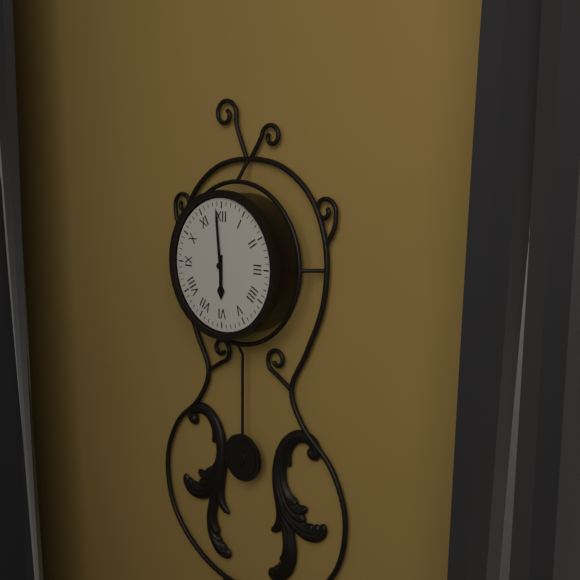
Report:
**5:59**
